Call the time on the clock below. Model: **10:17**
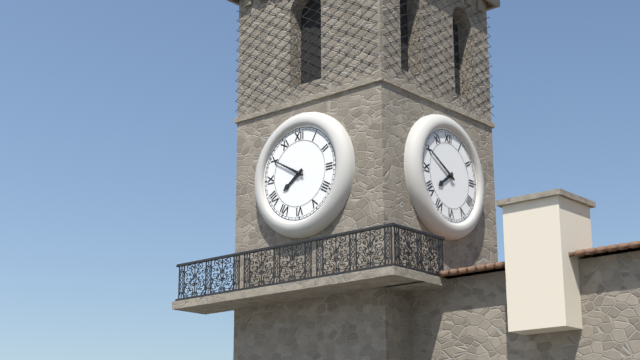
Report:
**7:50**
